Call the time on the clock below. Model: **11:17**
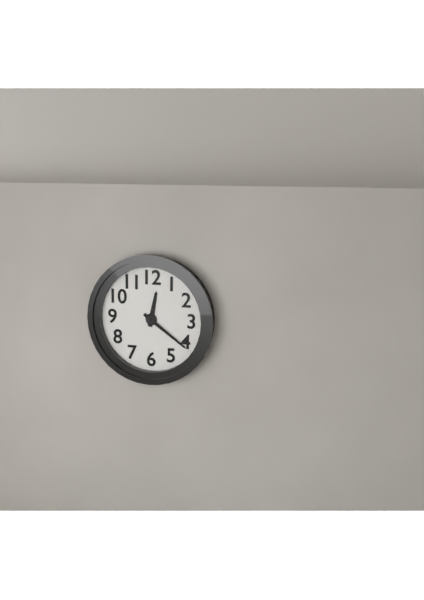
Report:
**12:21**
